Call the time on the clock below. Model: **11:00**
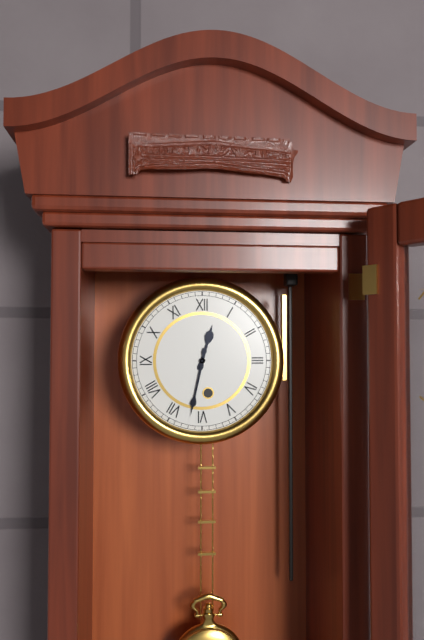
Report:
**12:32**
